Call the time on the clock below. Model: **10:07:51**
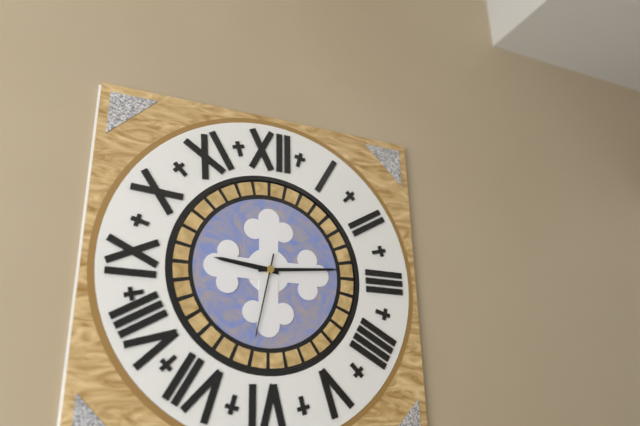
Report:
**9:14:32**
